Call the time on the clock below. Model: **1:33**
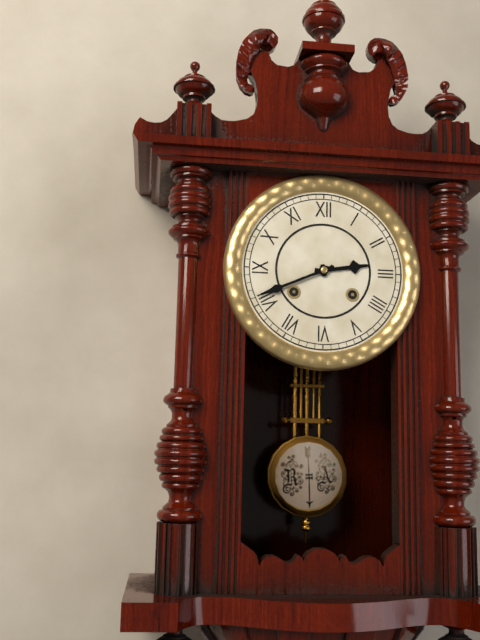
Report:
**2:41**
